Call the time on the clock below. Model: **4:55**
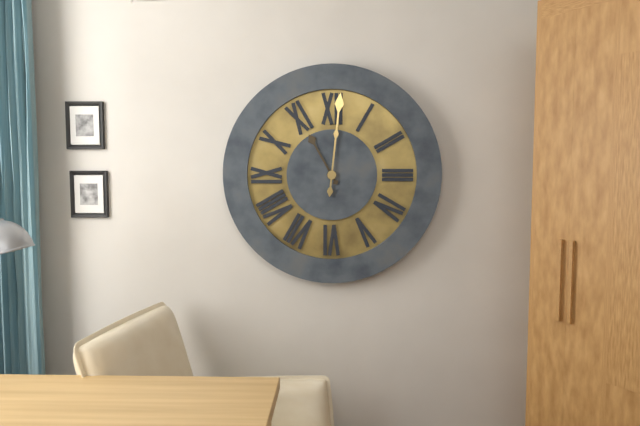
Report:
**11:01**
